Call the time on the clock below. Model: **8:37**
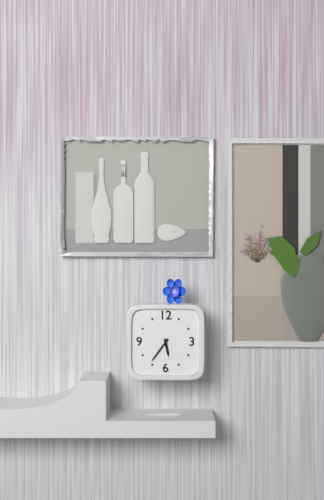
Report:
**5:36**
